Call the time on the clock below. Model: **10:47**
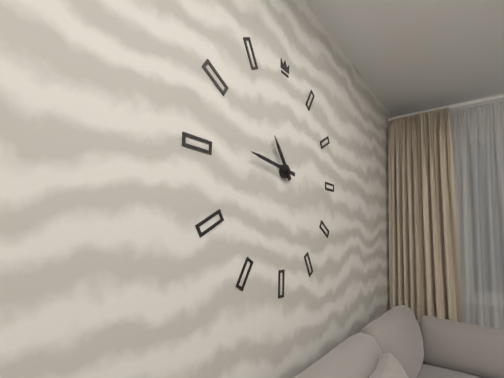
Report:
**10:46**
